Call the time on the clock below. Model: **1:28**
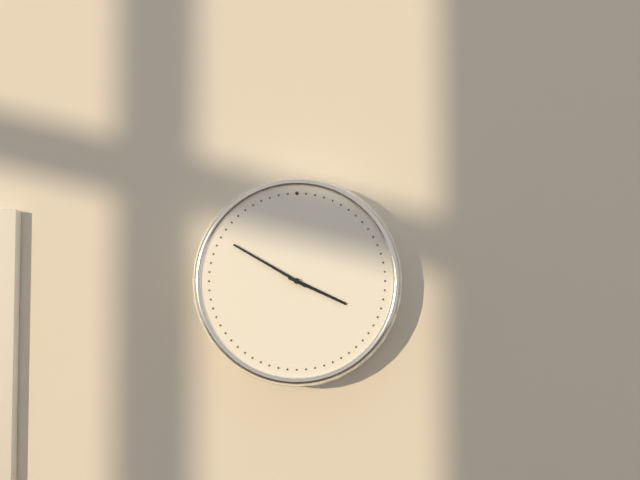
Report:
**3:50**
